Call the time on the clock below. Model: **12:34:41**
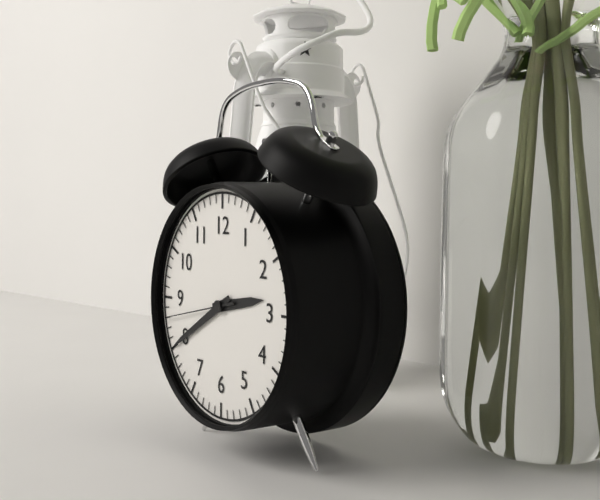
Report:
**2:40:43**
